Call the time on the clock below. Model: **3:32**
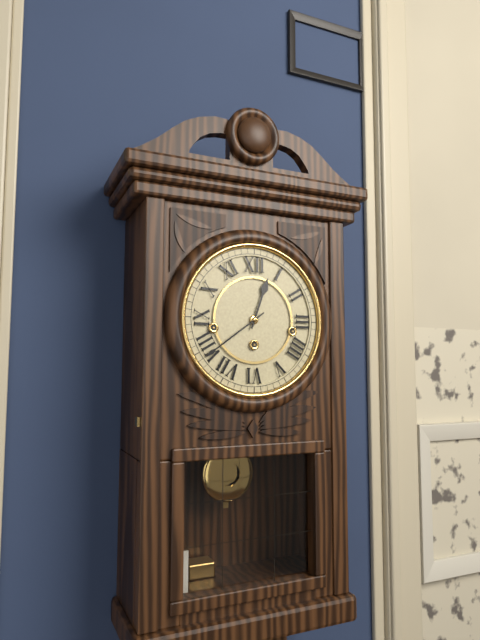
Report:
**12:39**
